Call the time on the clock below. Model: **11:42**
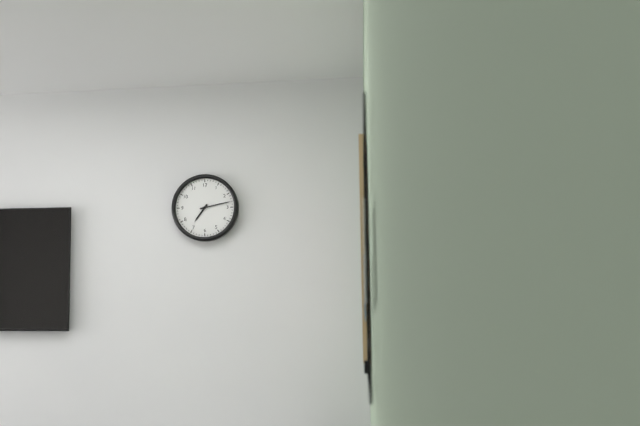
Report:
**7:13**
